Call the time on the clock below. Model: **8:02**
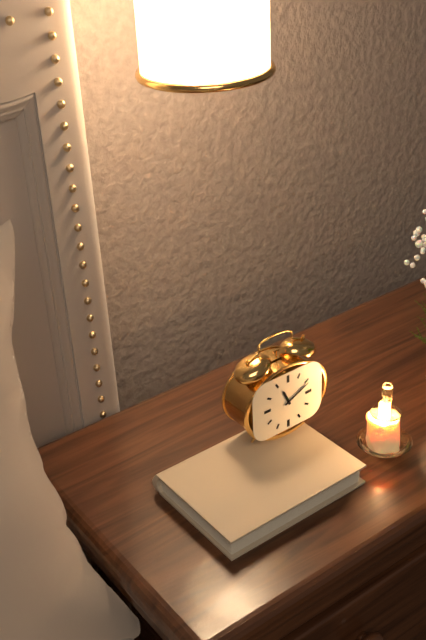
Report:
**11:11**
